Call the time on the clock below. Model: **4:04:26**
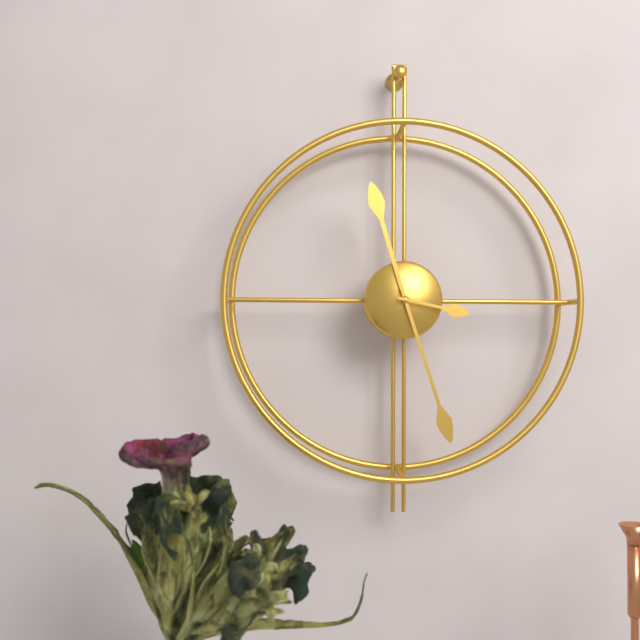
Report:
**11:27:17**
